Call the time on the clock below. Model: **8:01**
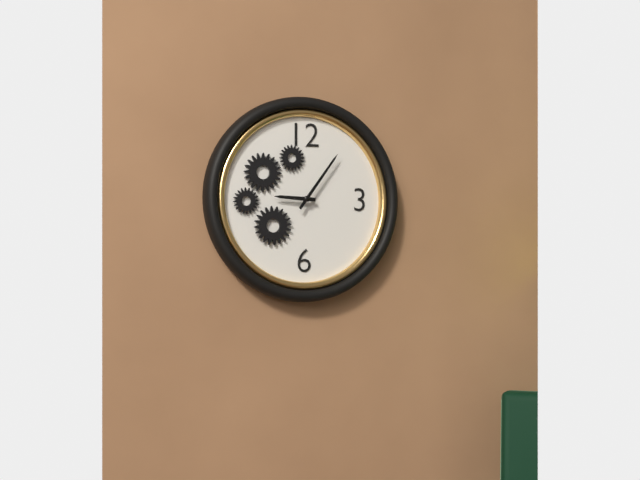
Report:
**9:06**
